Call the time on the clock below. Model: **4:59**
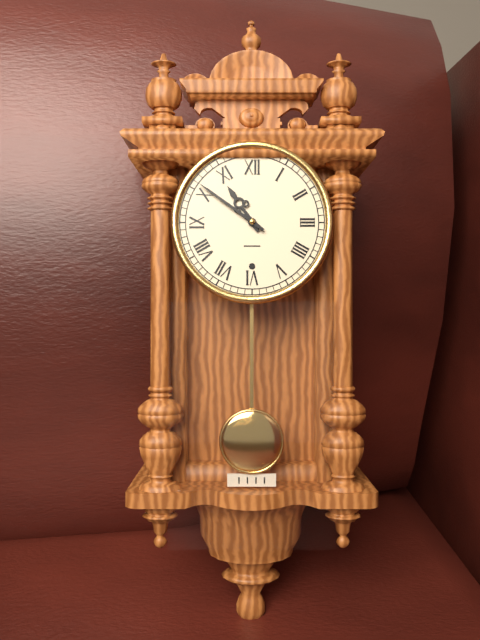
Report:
**10:51**
